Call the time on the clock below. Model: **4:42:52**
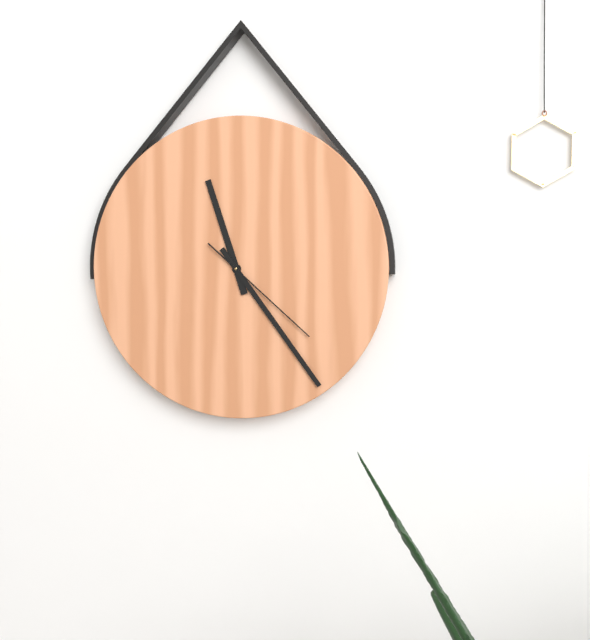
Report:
**11:24:22**
